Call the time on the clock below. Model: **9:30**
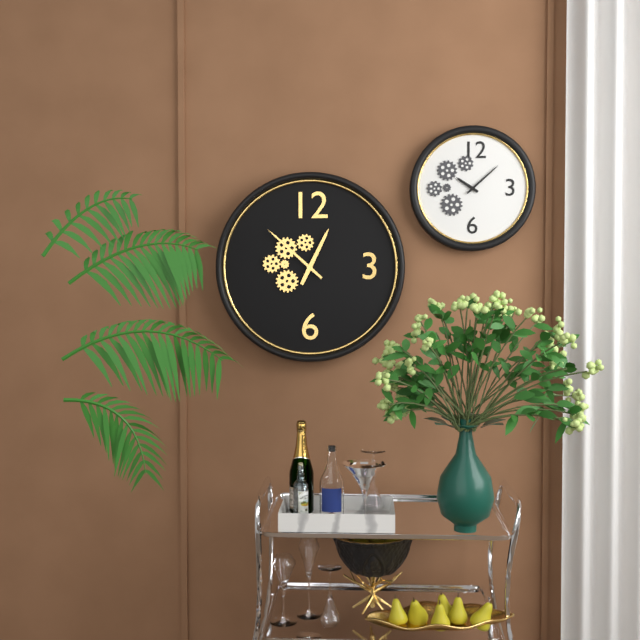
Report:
**12:52**
